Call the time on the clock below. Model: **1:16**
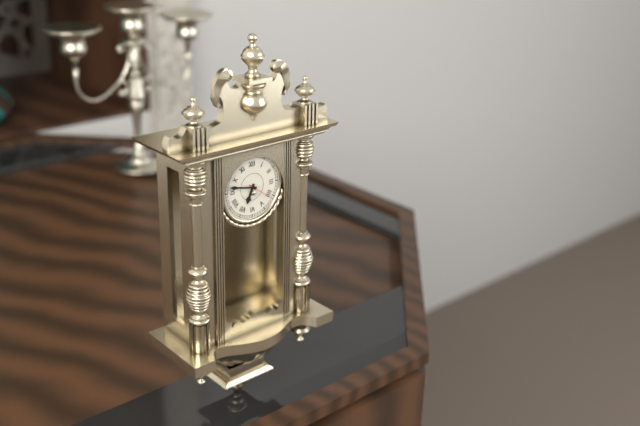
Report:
**6:47**
